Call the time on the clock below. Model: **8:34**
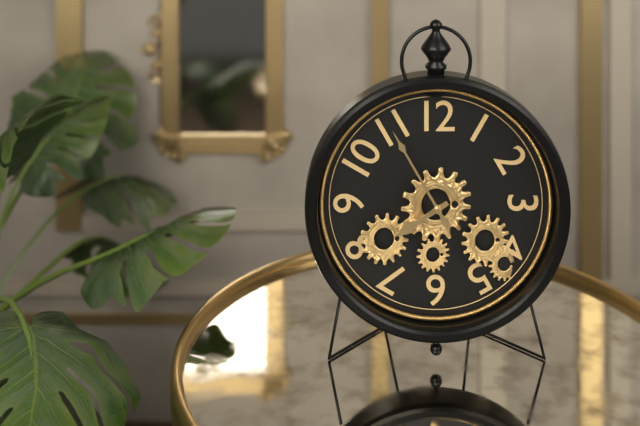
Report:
**7:55**
